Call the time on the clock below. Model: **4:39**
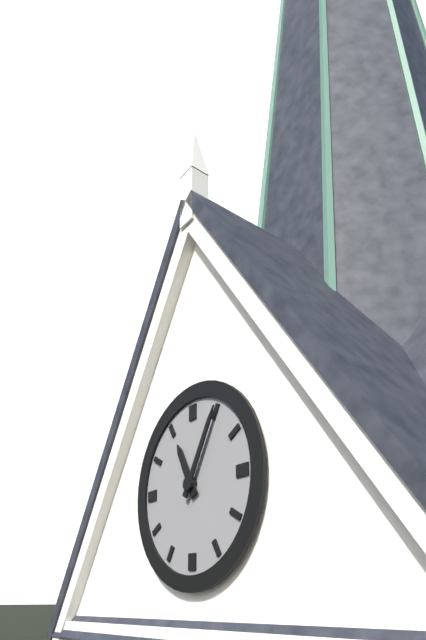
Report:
**11:05**
